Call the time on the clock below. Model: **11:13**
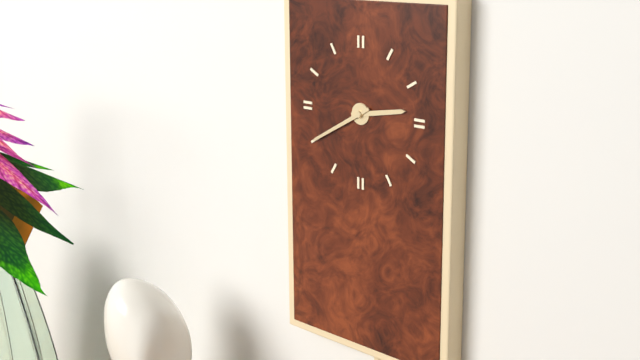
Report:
**2:40**
